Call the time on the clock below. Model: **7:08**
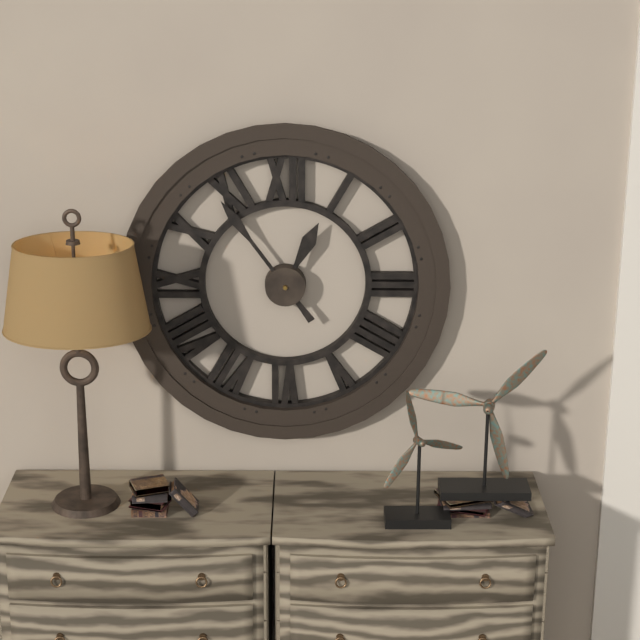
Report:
**12:54**
